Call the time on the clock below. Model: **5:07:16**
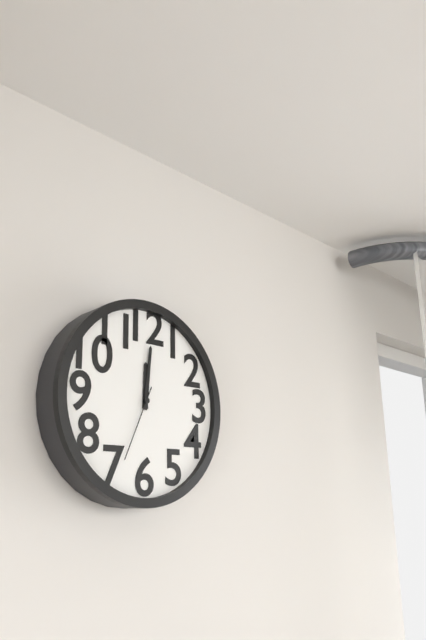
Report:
**12:01:34**
